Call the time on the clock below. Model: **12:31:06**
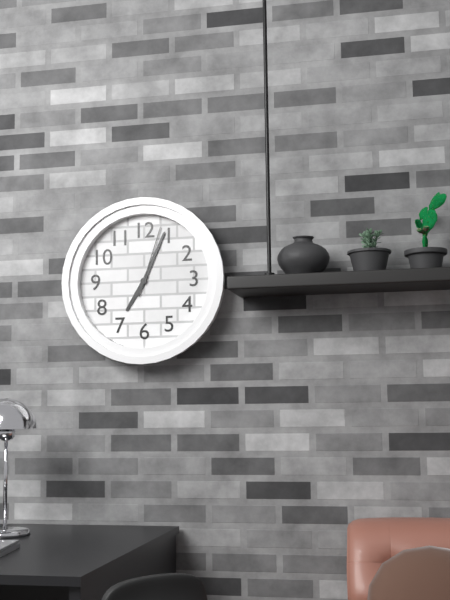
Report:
**7:04:03**
